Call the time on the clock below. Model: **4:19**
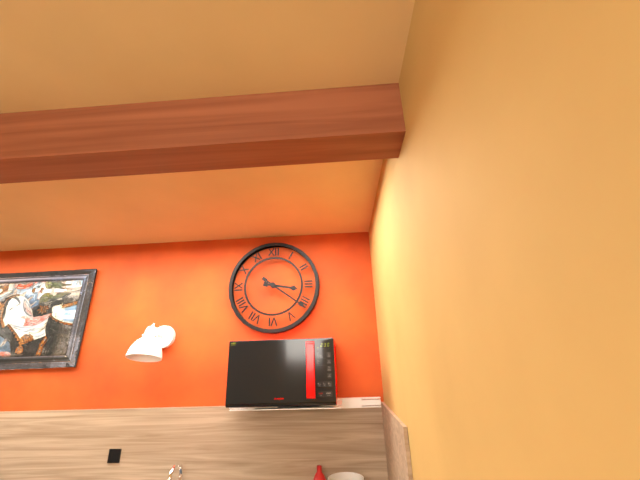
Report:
**3:21**
